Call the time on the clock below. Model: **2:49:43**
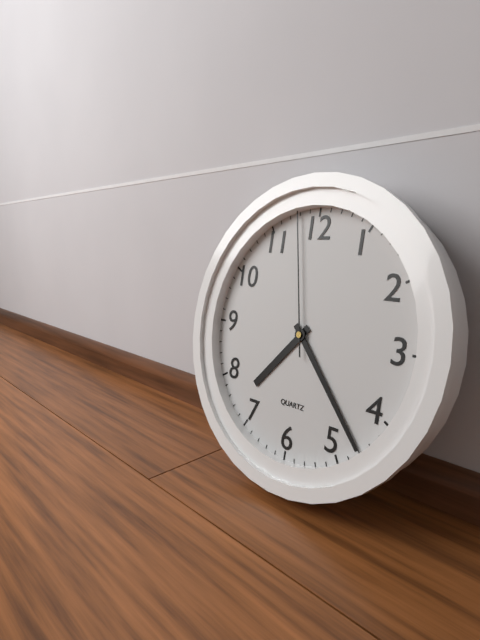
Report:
**7:23:58**
